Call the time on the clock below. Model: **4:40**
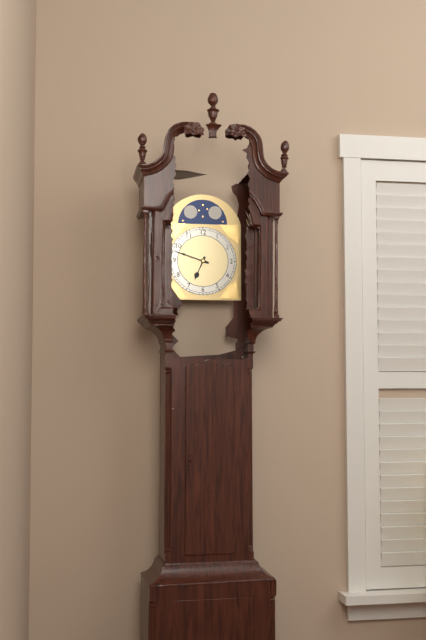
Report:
**6:48**
